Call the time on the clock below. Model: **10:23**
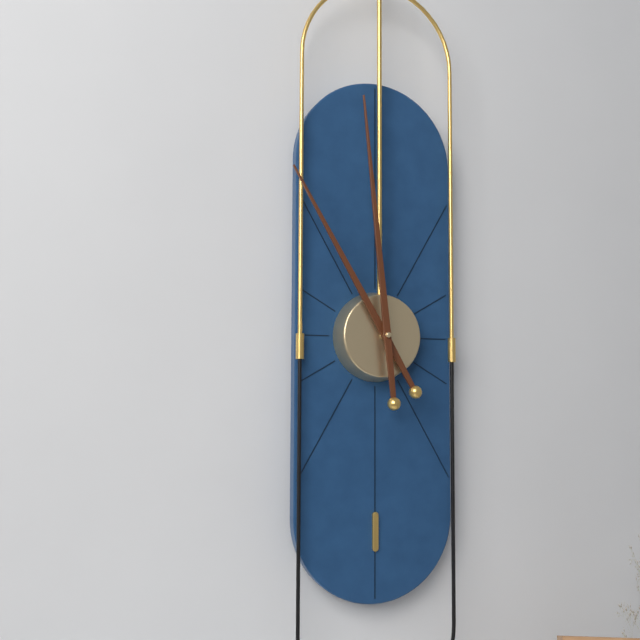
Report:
**10:59**
